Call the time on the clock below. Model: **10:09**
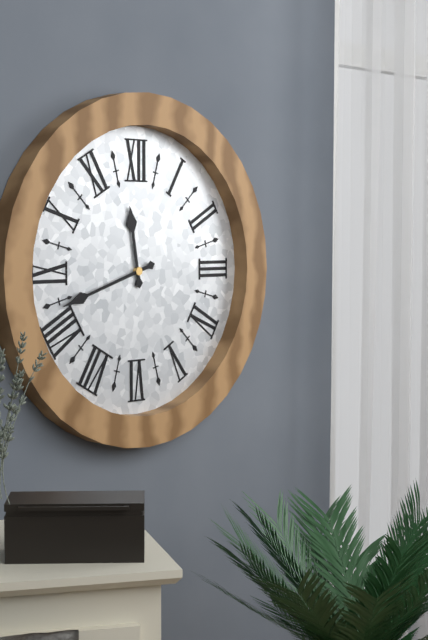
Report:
**11:42**
